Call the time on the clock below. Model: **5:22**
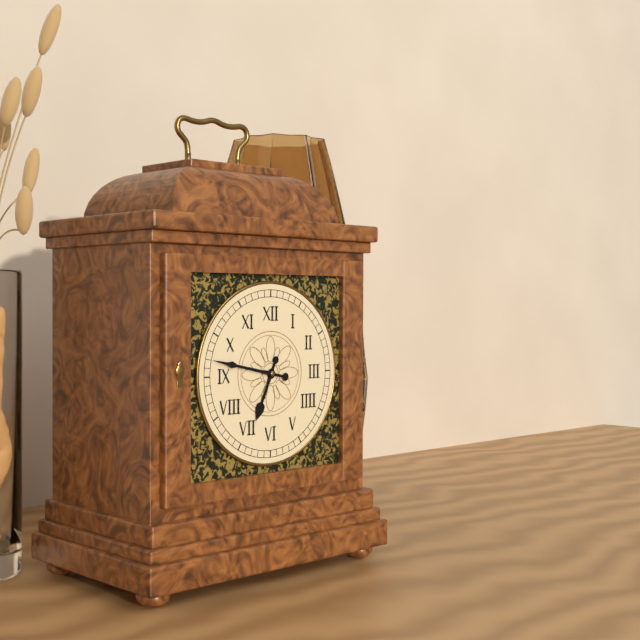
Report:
**6:47**
